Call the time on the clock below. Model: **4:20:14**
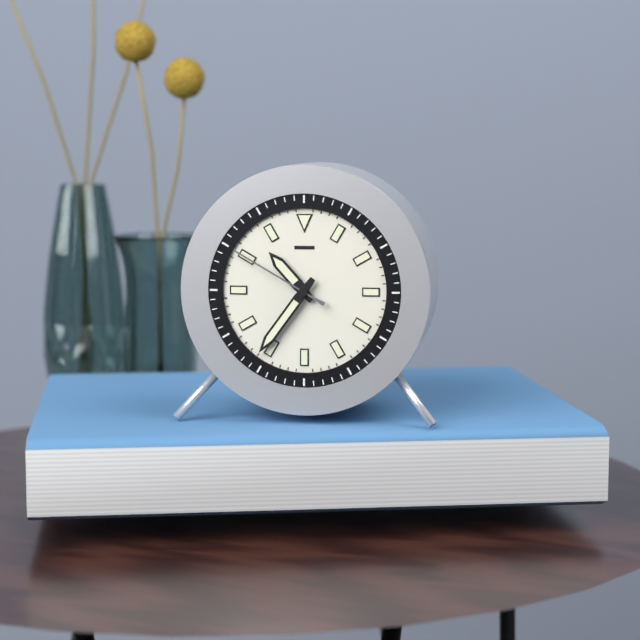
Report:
**10:36:50**
